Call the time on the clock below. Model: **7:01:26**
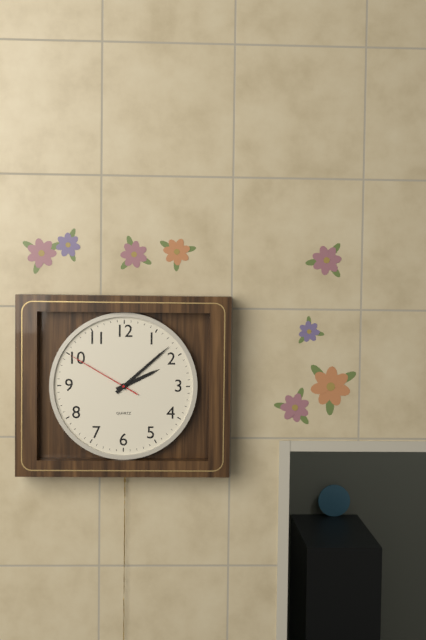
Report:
**2:08:50**
